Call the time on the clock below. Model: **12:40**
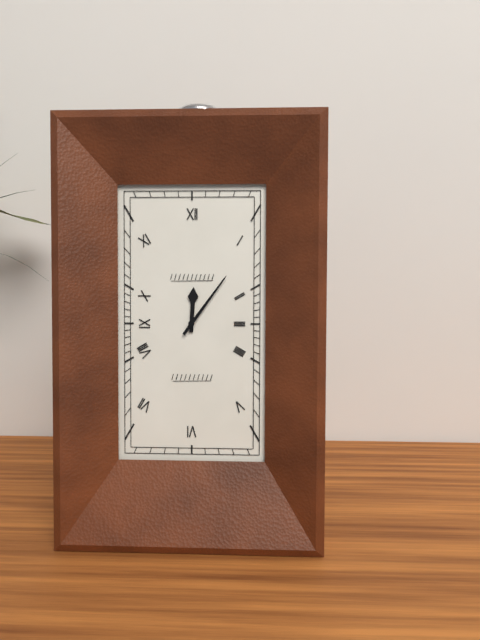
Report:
**12:06**
